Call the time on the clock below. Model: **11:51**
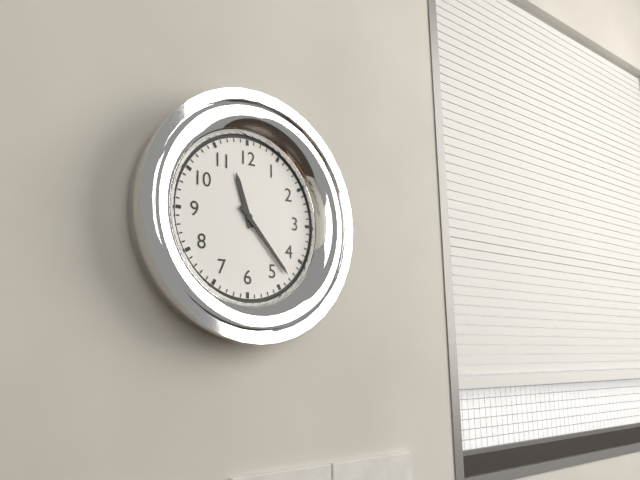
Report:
**11:23**
